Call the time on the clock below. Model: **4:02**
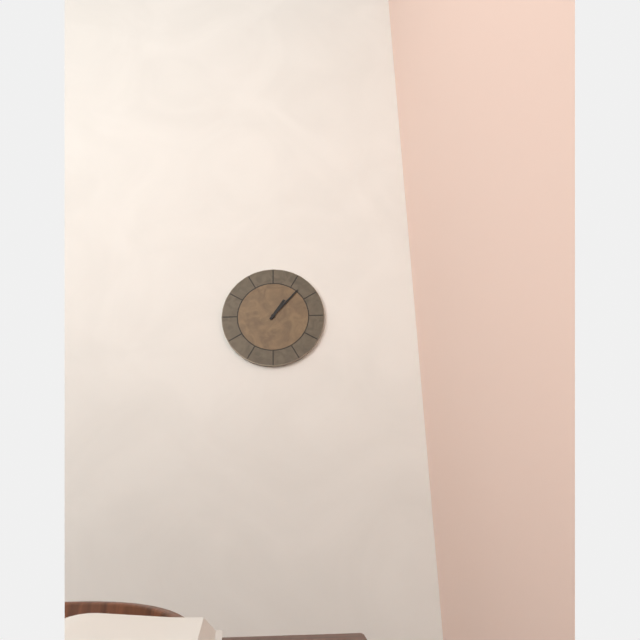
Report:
**1:07**
